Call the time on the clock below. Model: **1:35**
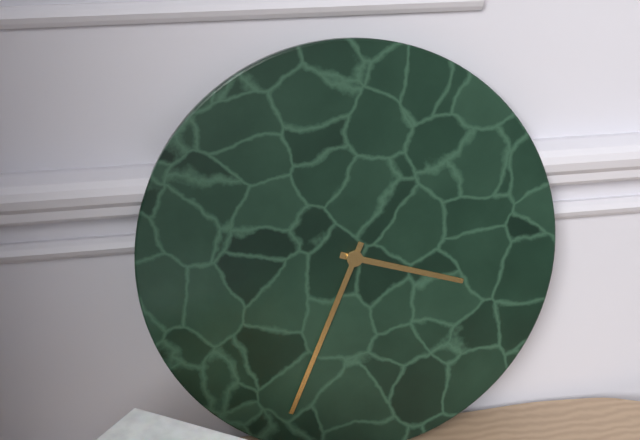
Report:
**3:34**
